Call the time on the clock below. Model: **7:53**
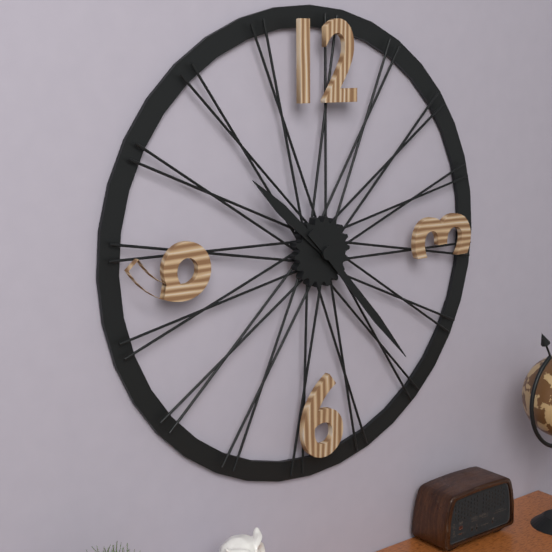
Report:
**10:23**
